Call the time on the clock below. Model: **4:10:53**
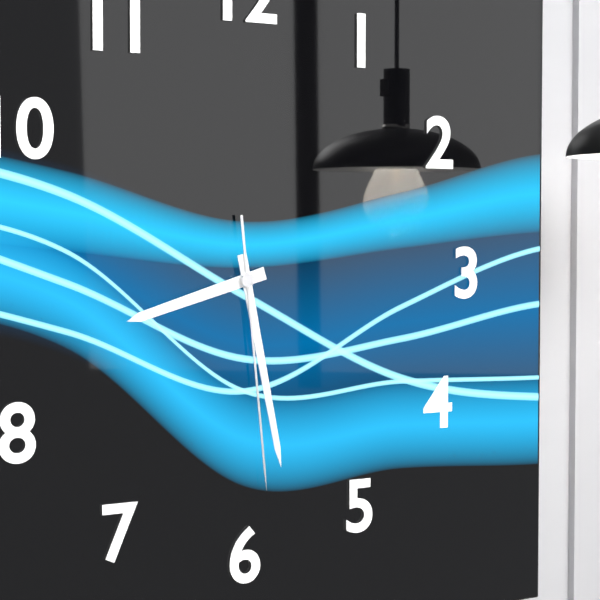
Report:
**8:28:29**
